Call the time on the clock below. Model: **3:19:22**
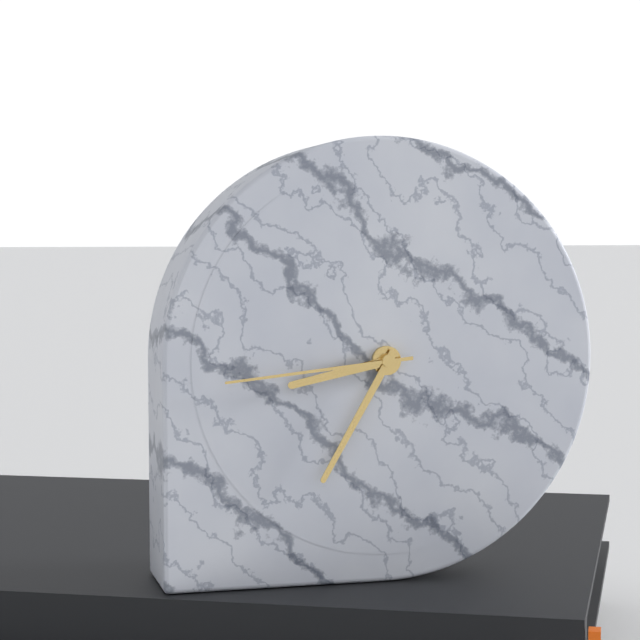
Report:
**8:35:44**
